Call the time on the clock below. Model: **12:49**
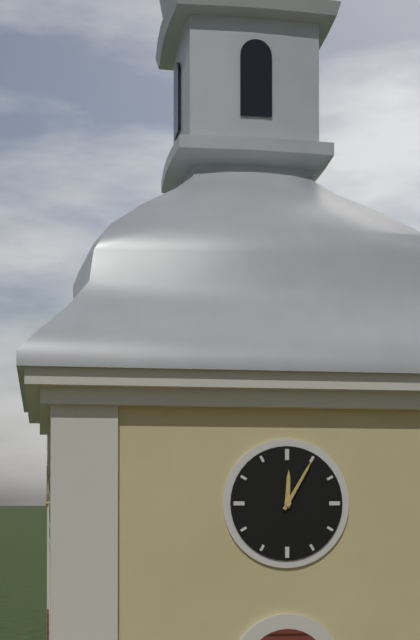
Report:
**12:05**
